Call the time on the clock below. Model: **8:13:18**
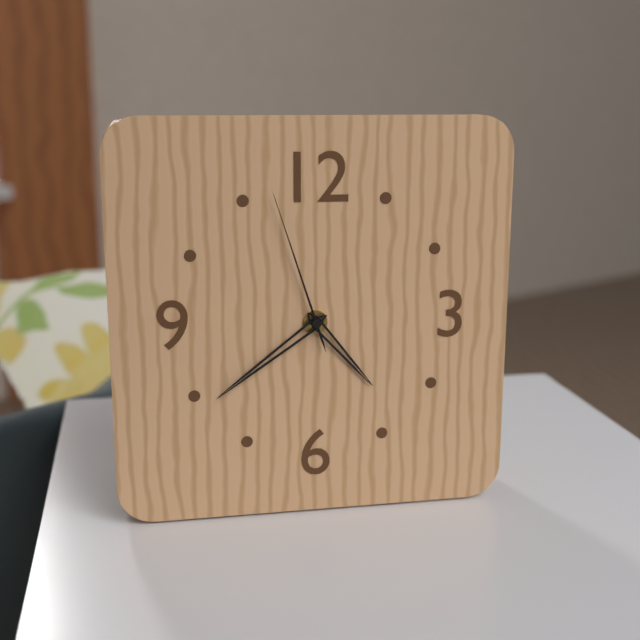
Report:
**4:39:57**
